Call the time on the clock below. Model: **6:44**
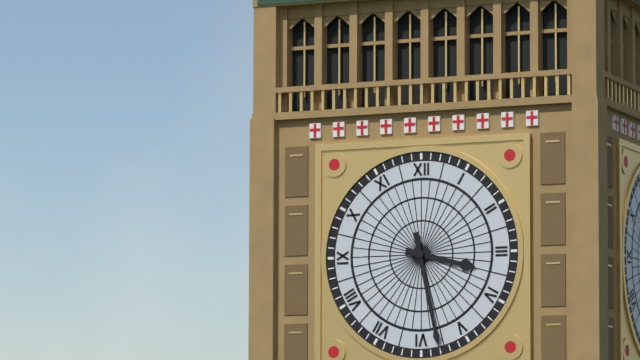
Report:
**3:28**
